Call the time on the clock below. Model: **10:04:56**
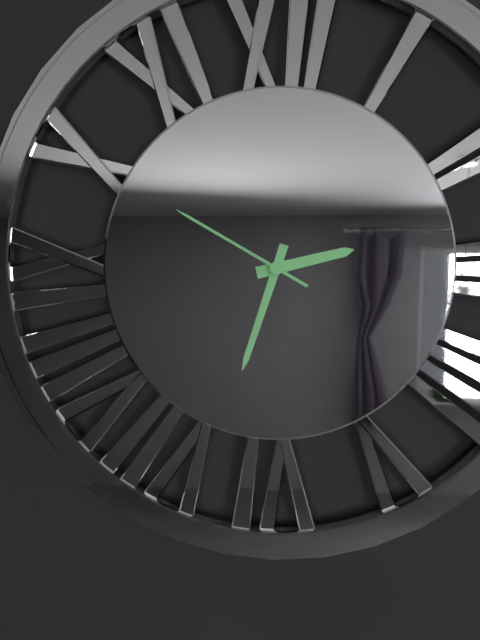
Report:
**2:33:50**
